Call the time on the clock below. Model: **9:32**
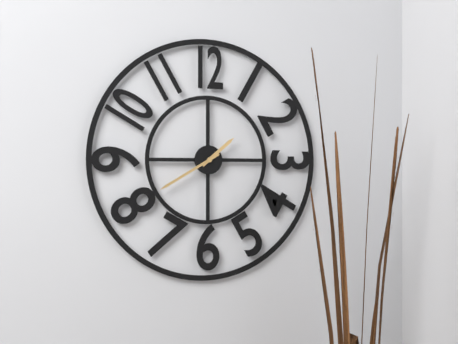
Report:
**1:40**
